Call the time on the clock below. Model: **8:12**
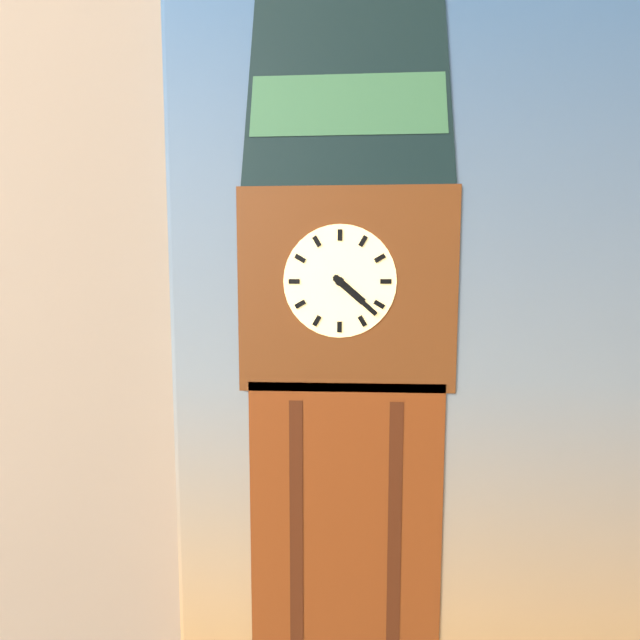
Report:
**4:22**
